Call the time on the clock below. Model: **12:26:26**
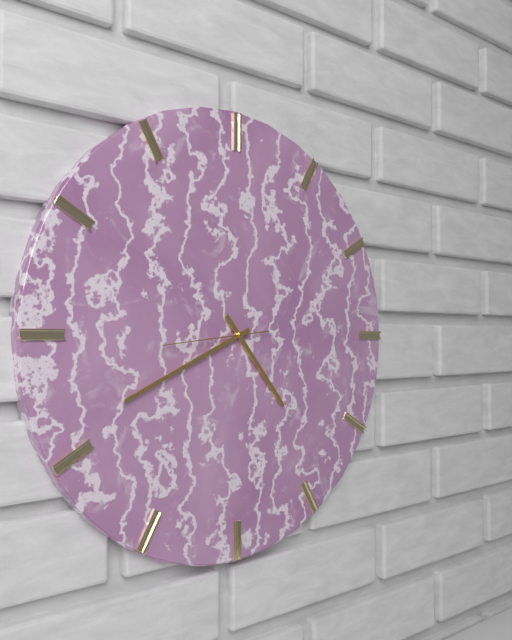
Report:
**4:41:44**
